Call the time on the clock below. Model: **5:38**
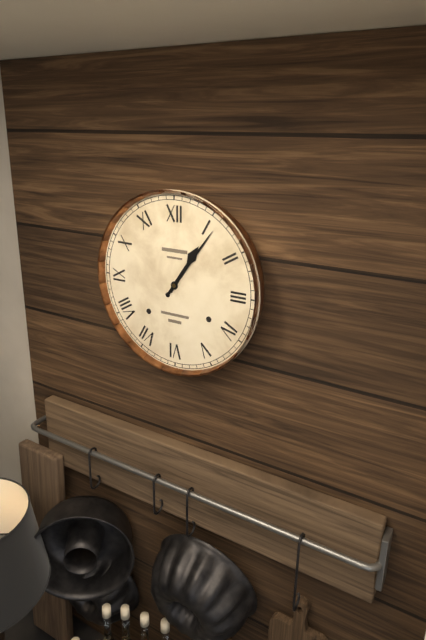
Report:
**1:06**
